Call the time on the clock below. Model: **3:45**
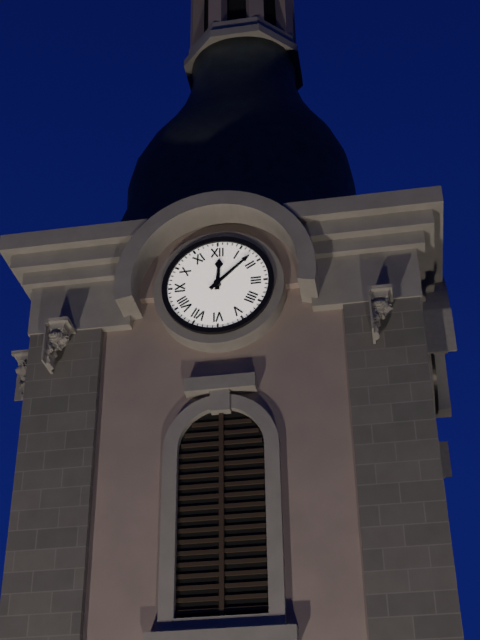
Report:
**12:08**
